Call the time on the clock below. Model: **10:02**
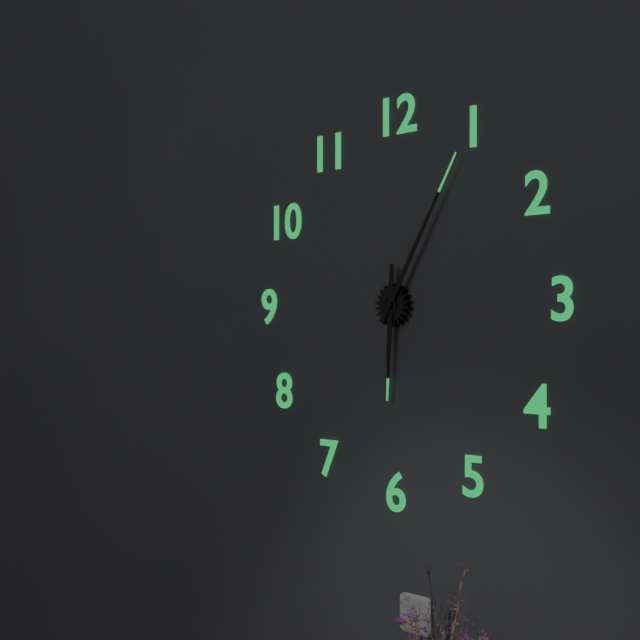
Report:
**6:05**
